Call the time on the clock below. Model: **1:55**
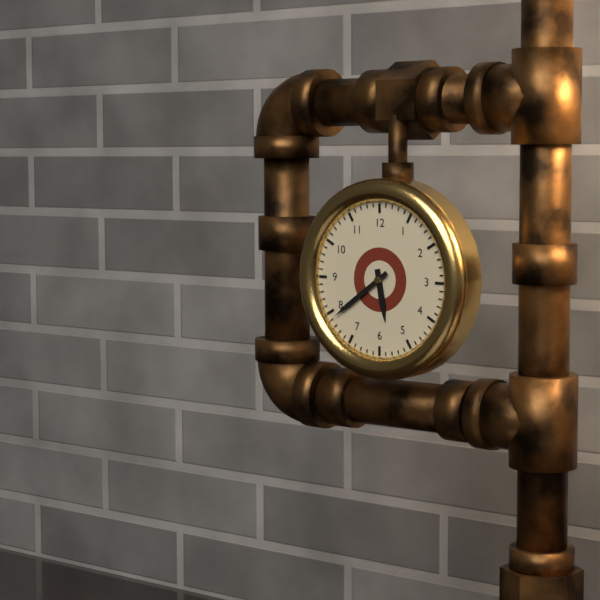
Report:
**5:39**
